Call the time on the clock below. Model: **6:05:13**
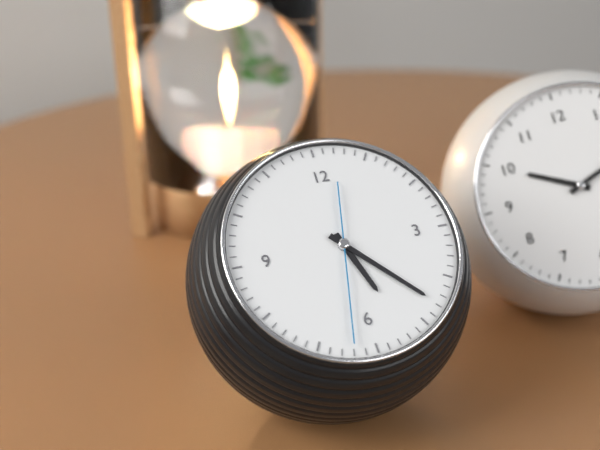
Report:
**5:23:32**
